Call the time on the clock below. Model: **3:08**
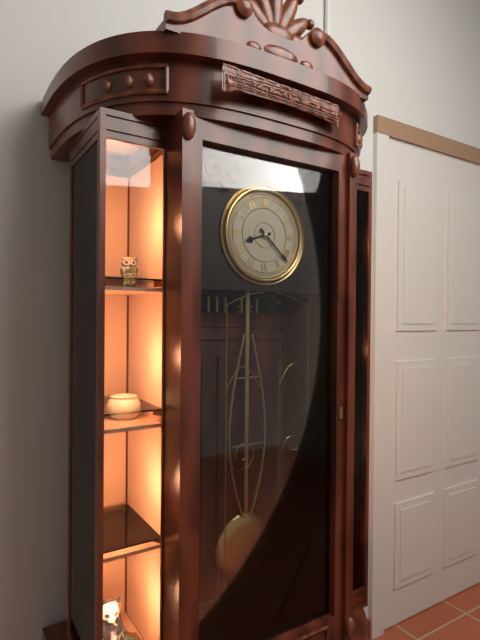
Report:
**8:22**
